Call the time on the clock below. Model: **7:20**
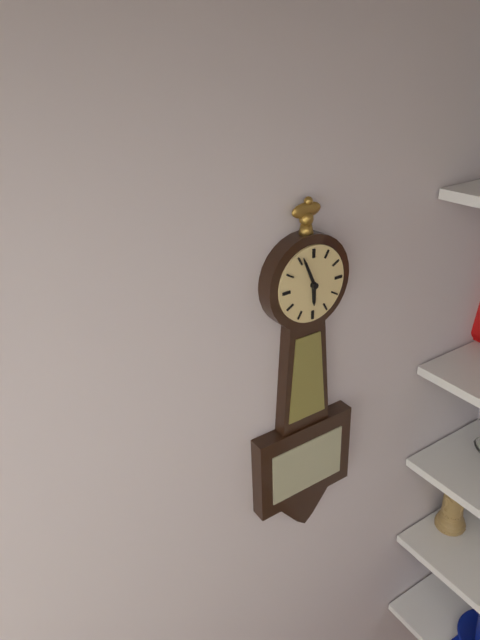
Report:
**5:56**
